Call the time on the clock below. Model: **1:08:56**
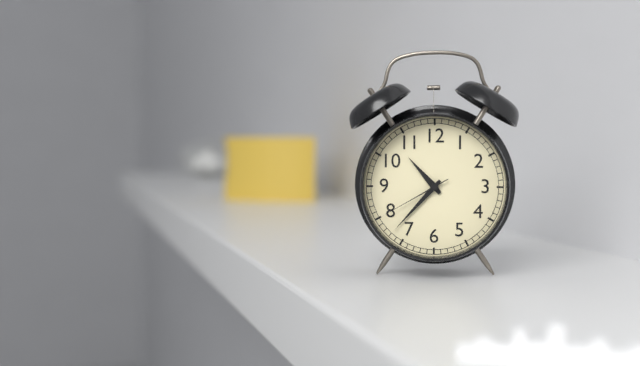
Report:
**10:37:40**
